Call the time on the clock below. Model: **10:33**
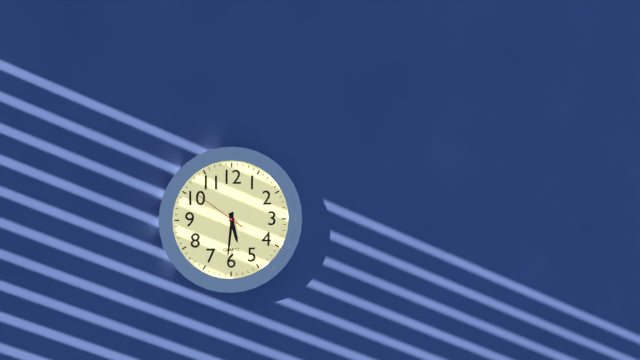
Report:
**5:31**
